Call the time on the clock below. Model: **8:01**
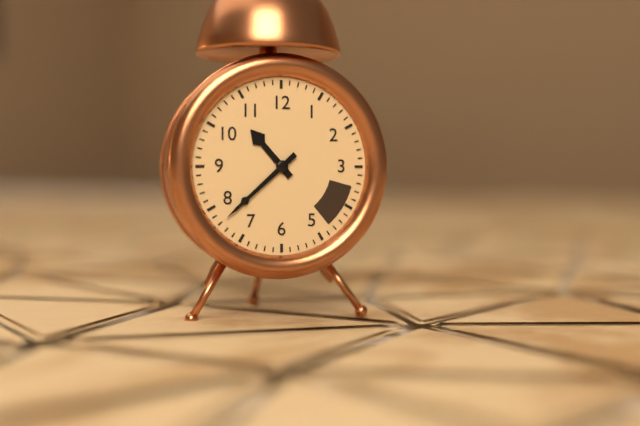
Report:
**10:38**
